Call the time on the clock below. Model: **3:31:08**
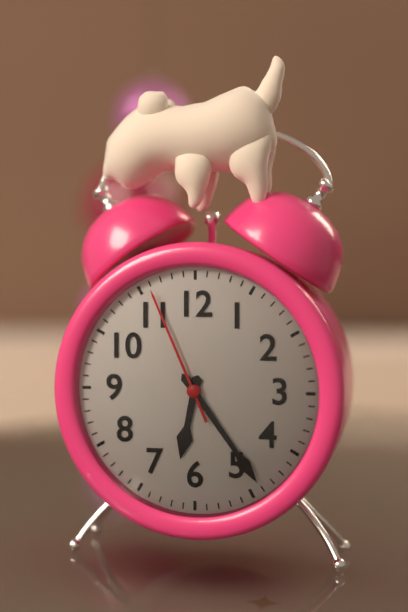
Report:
**6:24:56**
